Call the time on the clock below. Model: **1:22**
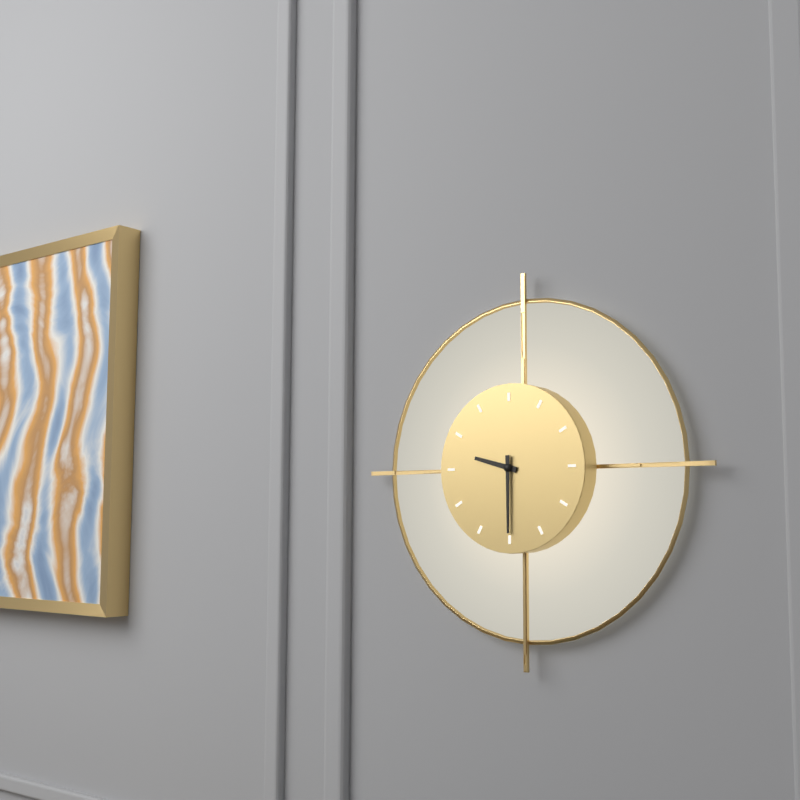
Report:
**9:30**
